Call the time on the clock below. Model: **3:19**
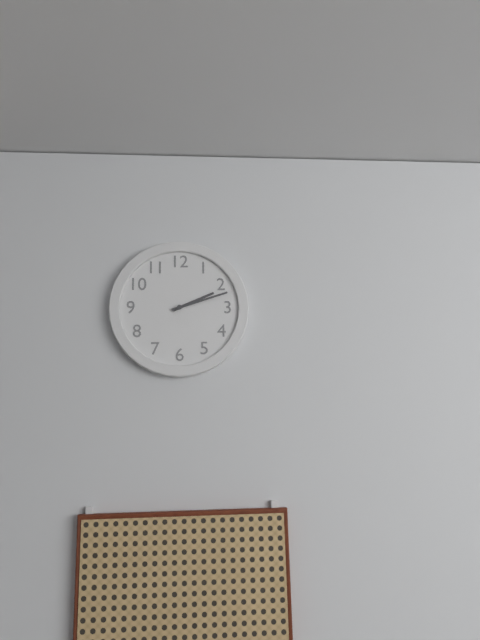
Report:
**2:12**
